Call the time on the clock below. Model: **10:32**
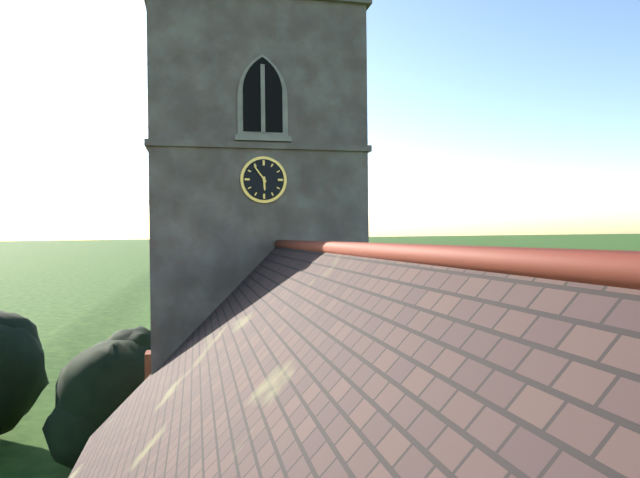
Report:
**5:54**
